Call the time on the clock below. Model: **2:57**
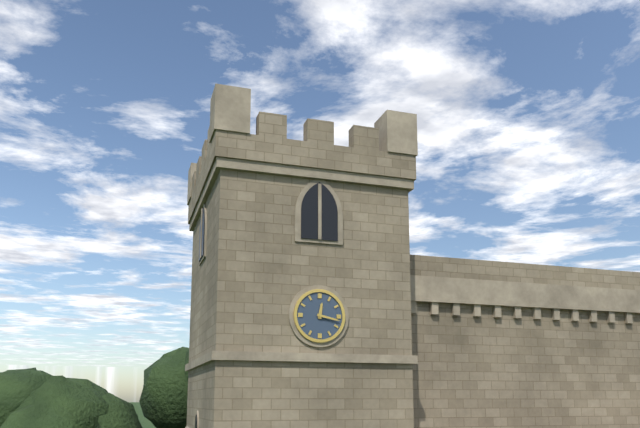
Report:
**12:17**
